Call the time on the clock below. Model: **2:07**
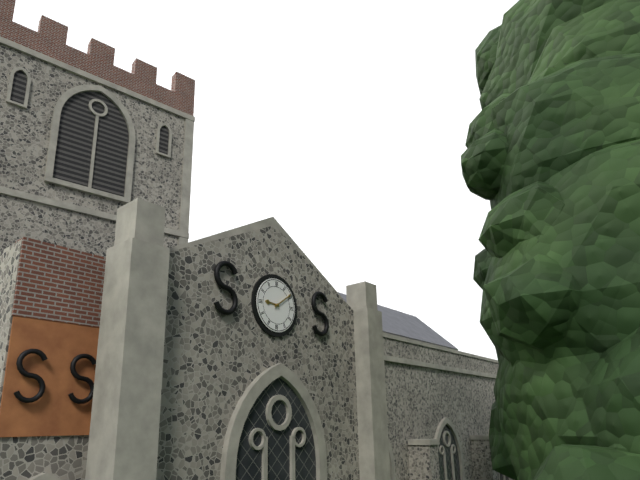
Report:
**9:09**
